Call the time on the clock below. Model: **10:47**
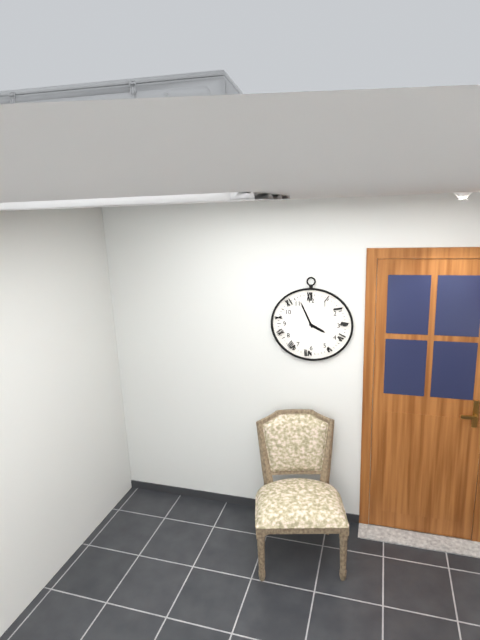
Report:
**3:56**
